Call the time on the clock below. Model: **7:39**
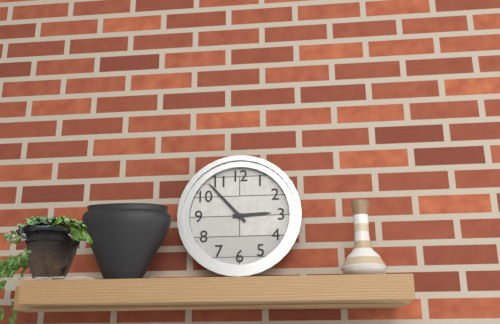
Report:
**2:53**
